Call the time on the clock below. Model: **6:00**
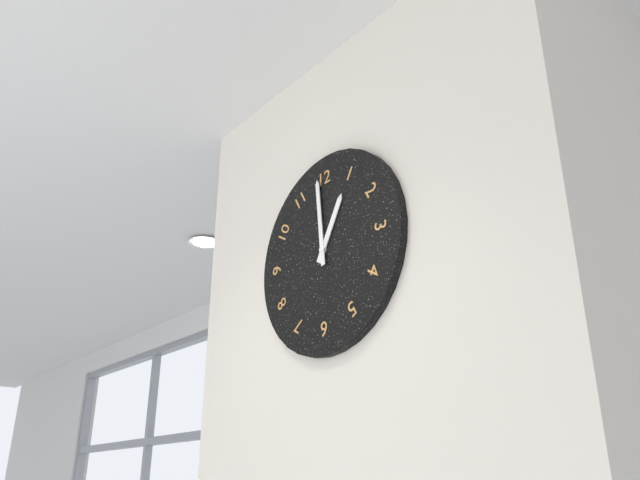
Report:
**12:59**
